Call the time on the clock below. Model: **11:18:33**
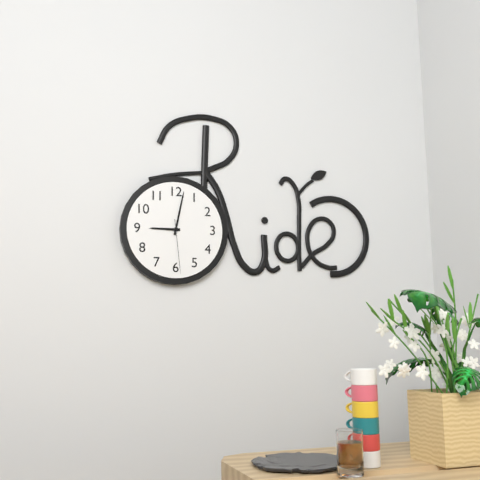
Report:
**9:02:29**
